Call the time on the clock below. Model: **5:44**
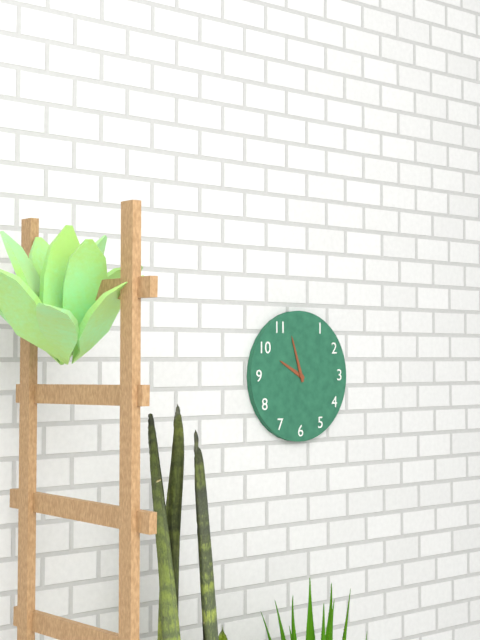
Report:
**9:57**
